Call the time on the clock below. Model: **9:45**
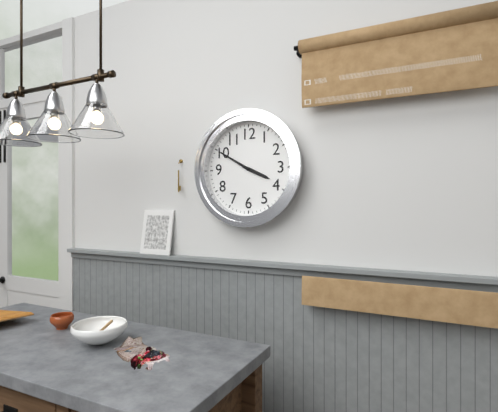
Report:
**3:50**
